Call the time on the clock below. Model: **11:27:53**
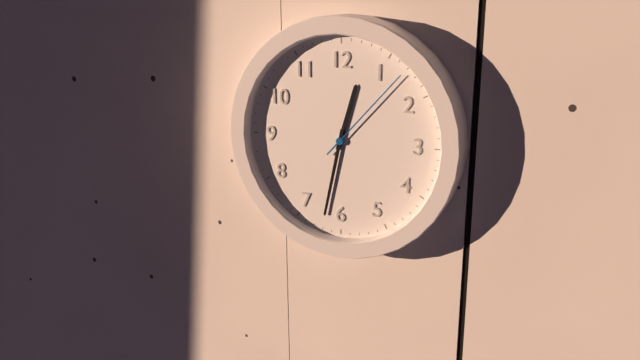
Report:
**12:32:07**
